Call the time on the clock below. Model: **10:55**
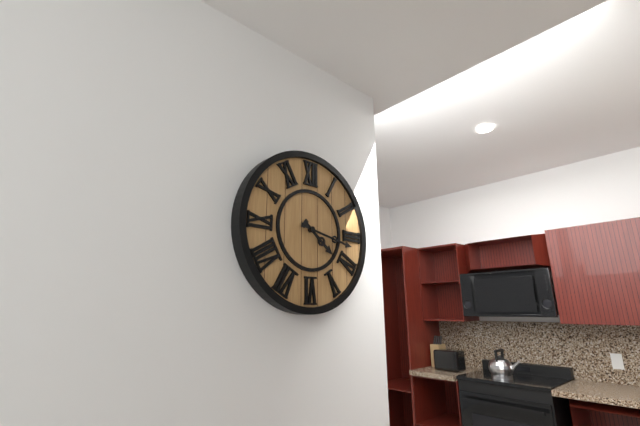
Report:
**4:17**
